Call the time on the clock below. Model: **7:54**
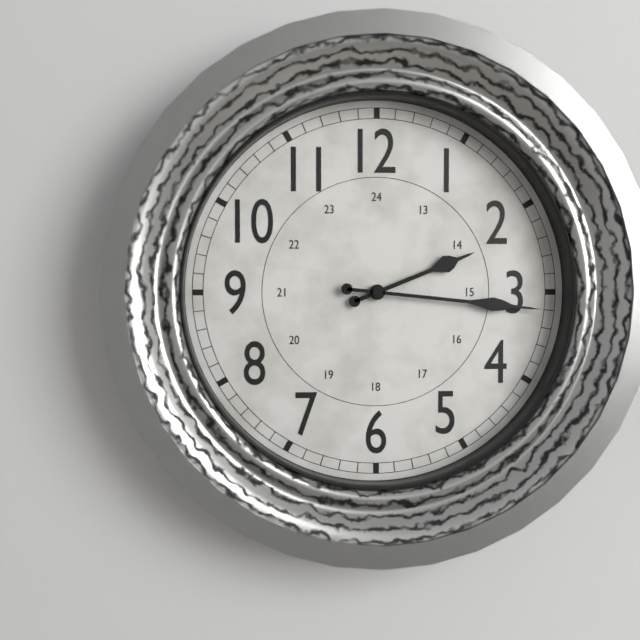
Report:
**2:16**
